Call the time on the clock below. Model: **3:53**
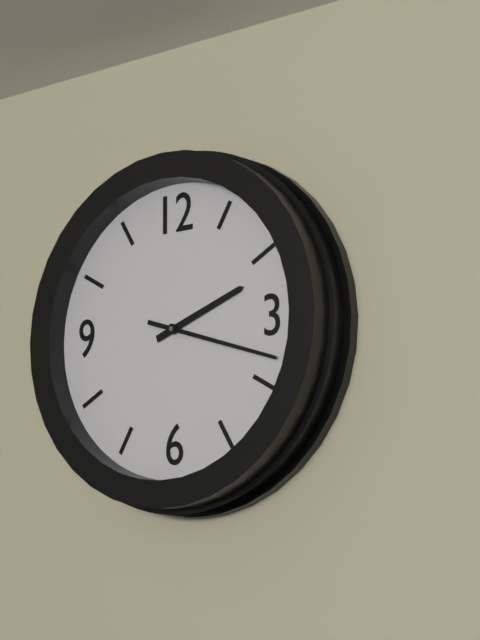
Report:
**2:18**
